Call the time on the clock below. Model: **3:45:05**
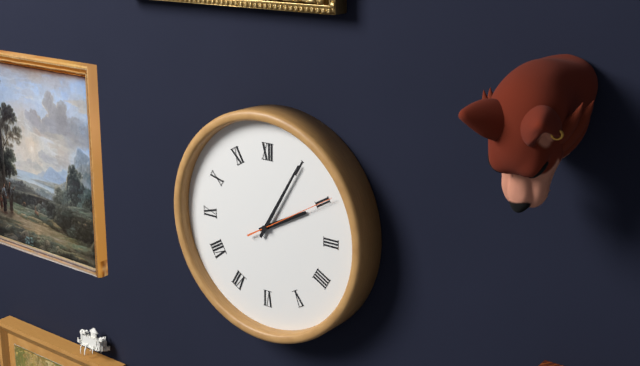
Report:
**2:05:10**
